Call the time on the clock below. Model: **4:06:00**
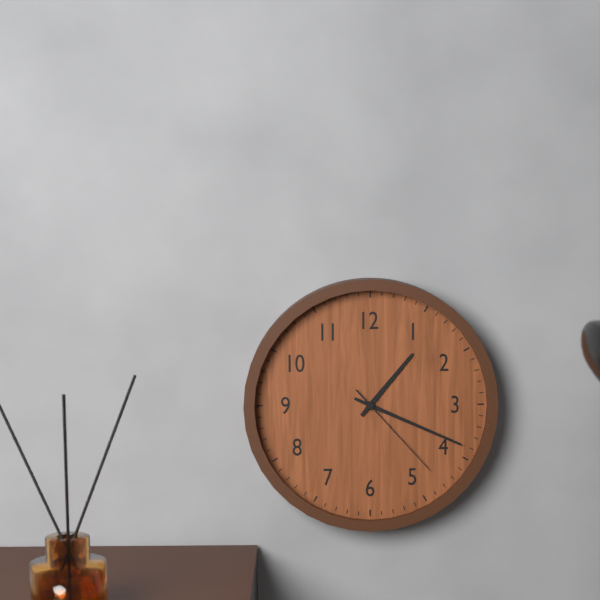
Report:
**1:19:23**
